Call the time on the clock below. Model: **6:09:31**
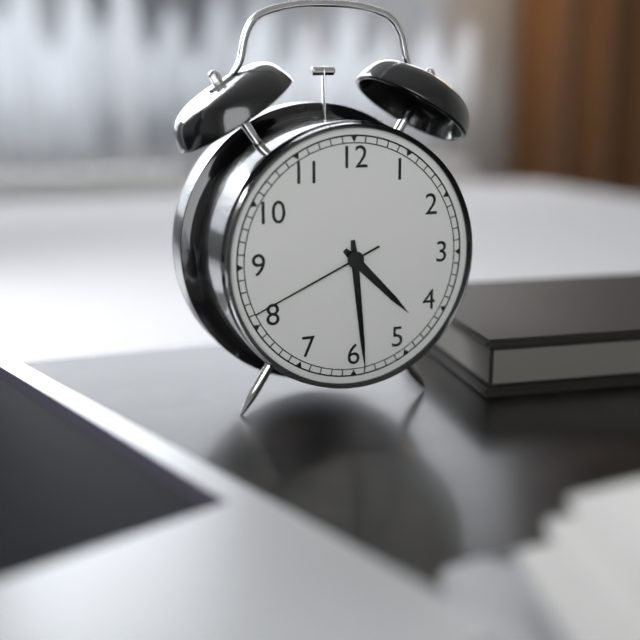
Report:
**4:29:41**
